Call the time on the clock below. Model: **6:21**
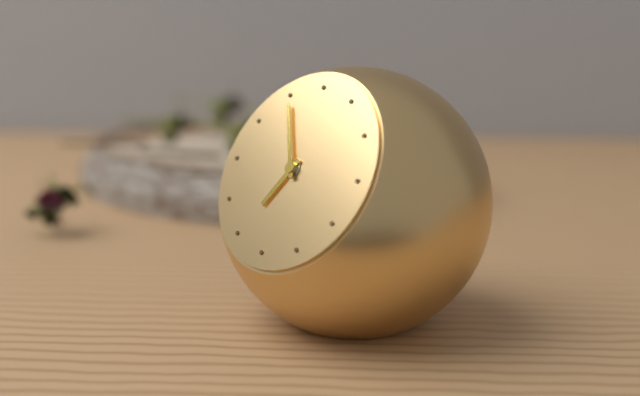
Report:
**6:55**
